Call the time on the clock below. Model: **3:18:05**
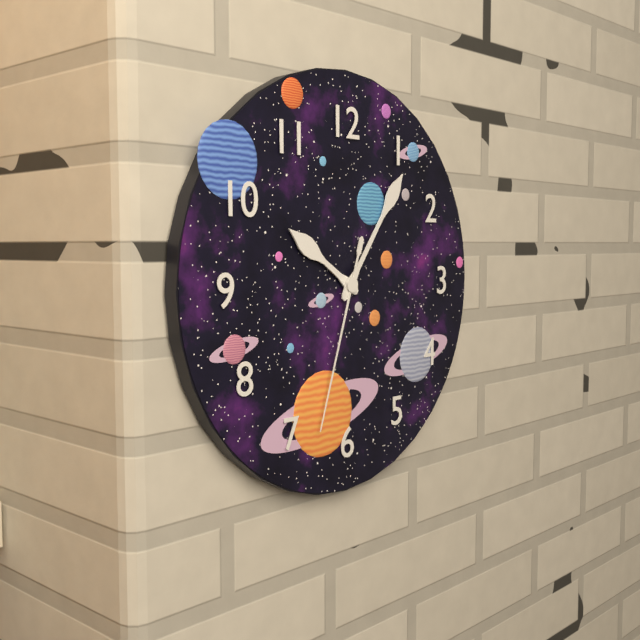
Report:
**10:06:33**
